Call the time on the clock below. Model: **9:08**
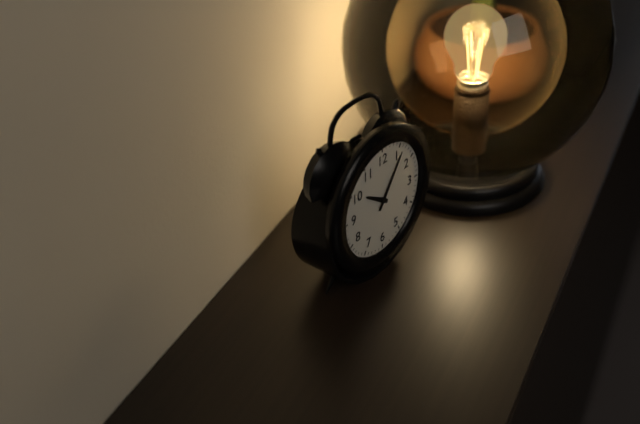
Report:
**10:06**
